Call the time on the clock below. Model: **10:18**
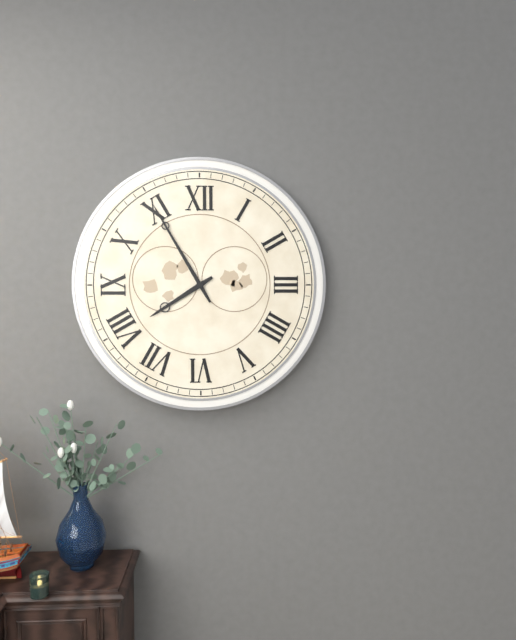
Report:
**7:55**
